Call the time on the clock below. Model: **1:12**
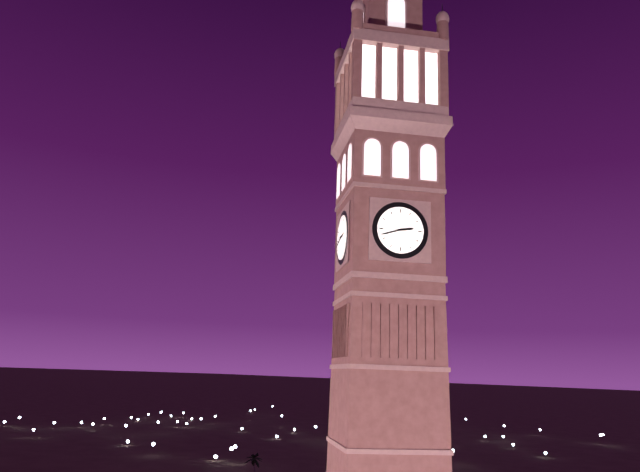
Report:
**2:42**
